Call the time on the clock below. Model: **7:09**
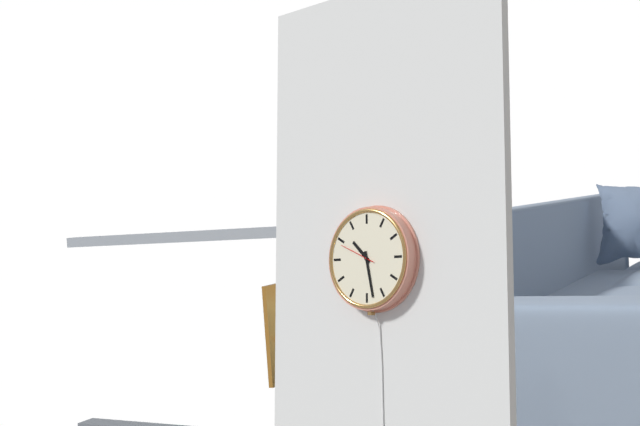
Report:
**10:28**
